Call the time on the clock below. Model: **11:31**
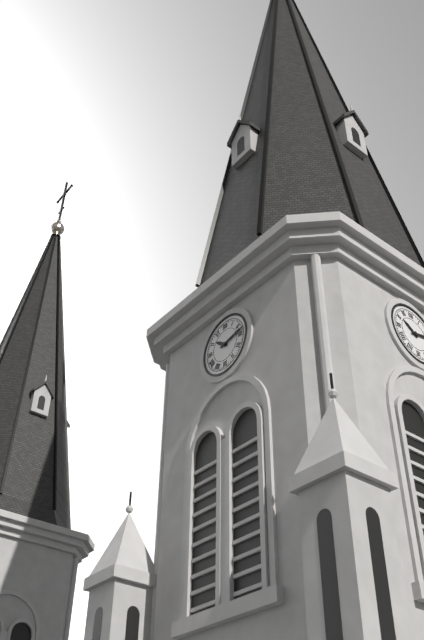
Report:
**10:13**
